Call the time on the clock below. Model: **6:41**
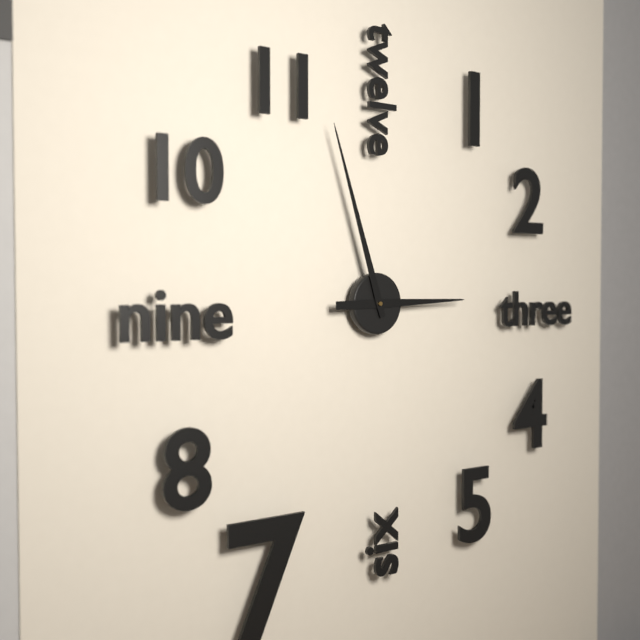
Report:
**2:57**
